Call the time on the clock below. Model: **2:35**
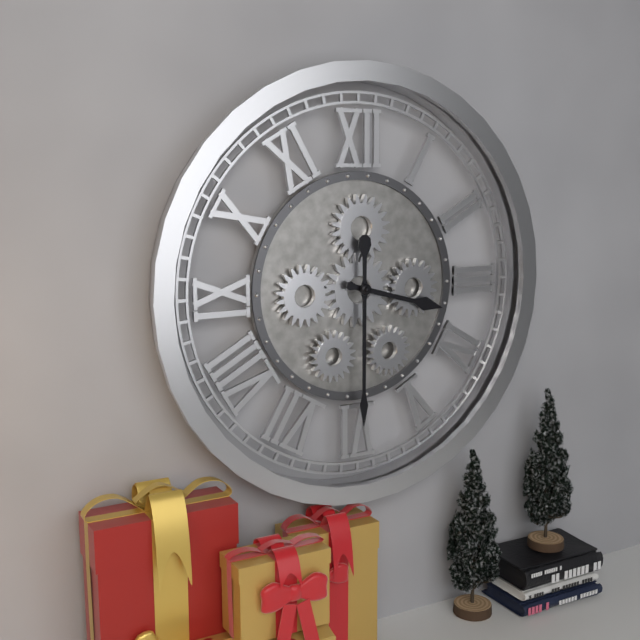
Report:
**3:30**
